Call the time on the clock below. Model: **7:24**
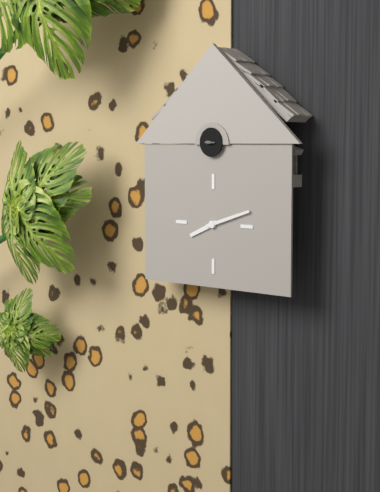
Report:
**8:12**
